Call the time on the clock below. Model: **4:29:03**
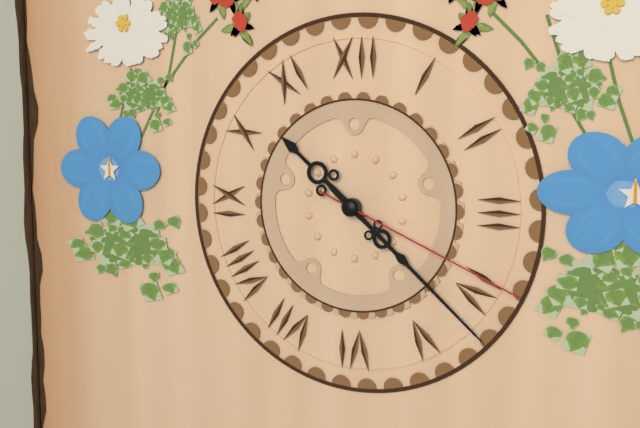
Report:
**10:22:19**
